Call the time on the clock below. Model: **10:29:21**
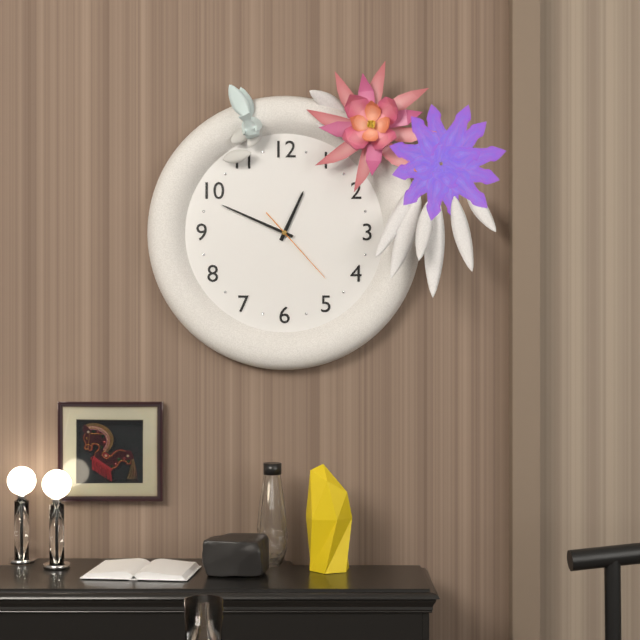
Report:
**12:49:23**
